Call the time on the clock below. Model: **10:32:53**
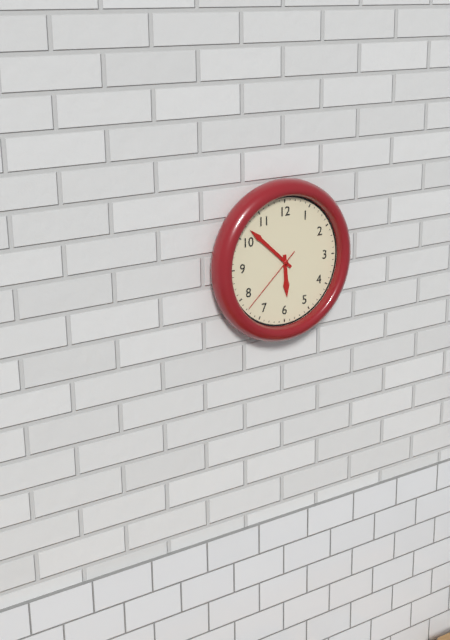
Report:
**5:52:38**
